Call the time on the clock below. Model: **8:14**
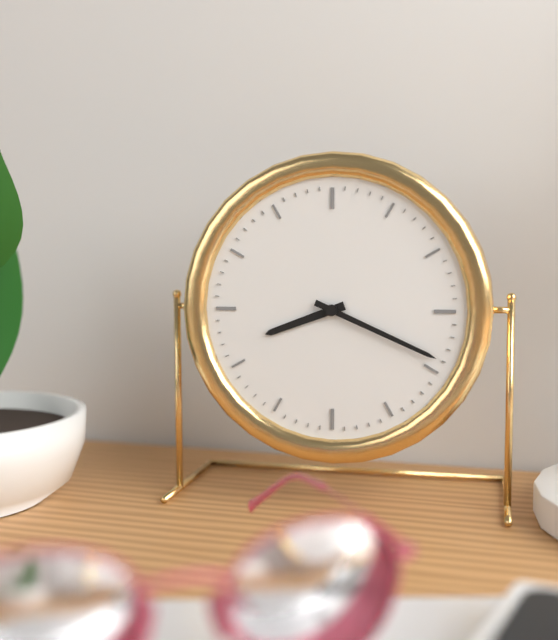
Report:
**8:19**
